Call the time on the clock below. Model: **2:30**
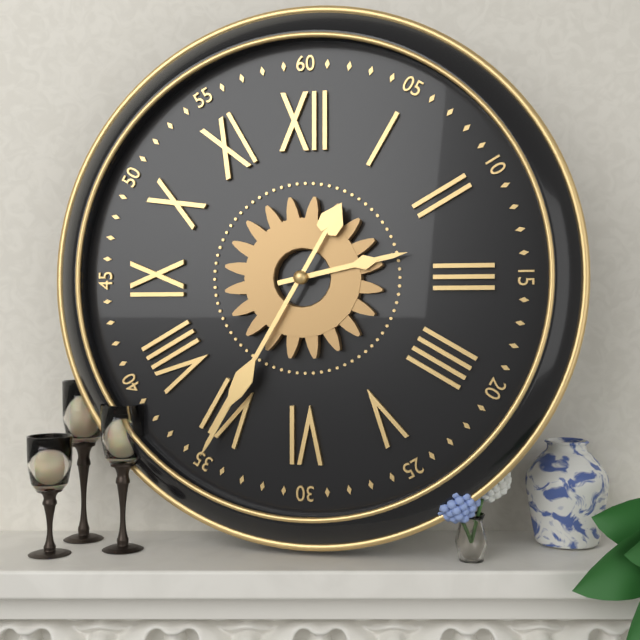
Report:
**2:35**
